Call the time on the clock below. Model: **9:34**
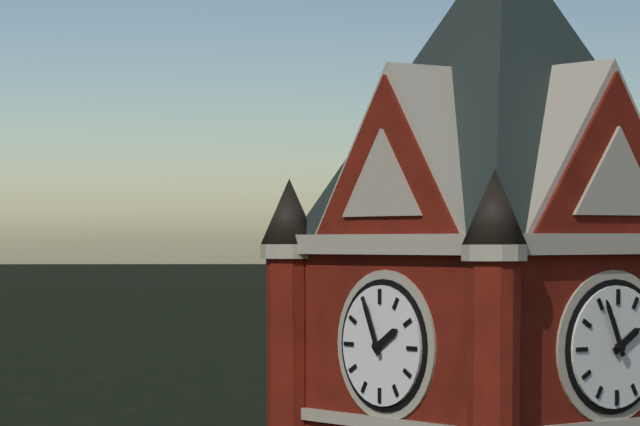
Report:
**1:56**
